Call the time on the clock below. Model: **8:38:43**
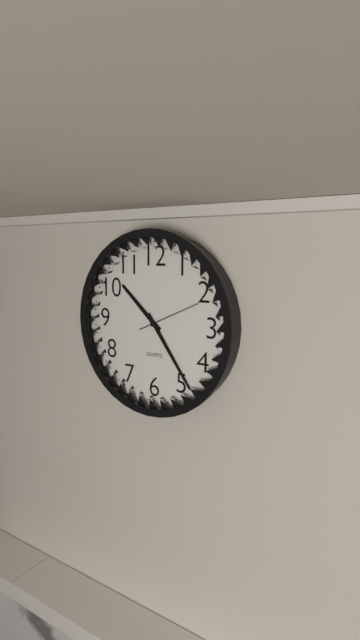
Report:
**10:24:11**
